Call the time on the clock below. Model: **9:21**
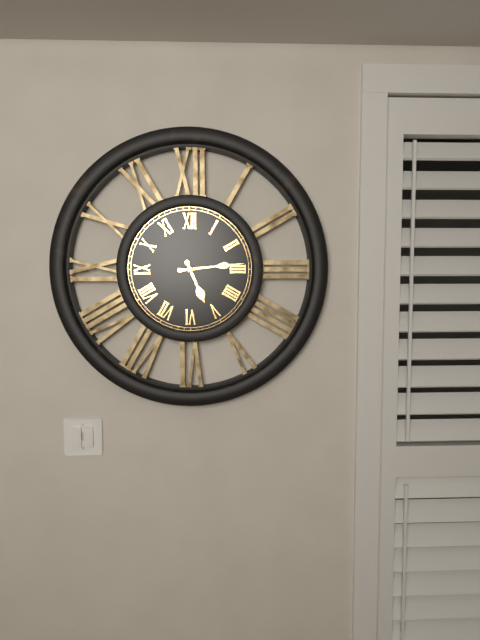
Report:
**5:14**
